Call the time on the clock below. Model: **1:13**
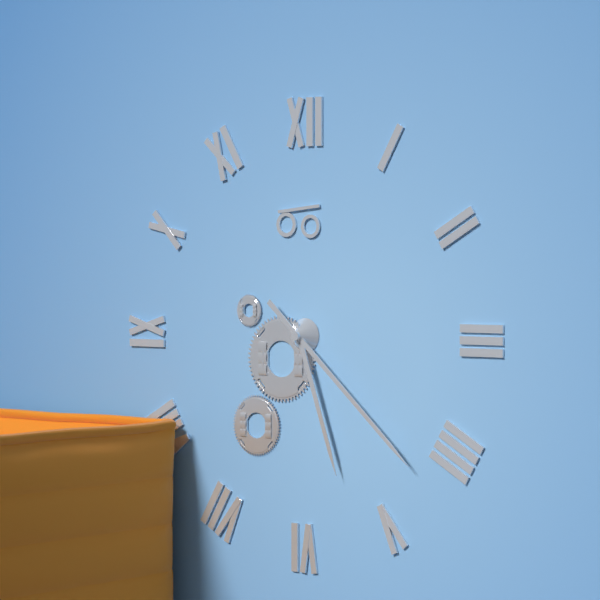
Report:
**5:22**
